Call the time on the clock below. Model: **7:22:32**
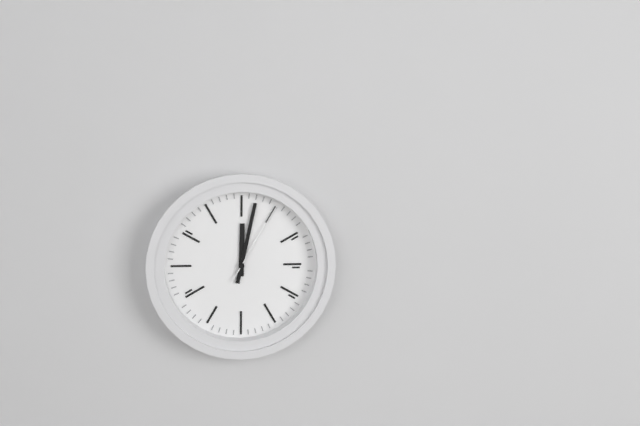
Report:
**12:02:05**
